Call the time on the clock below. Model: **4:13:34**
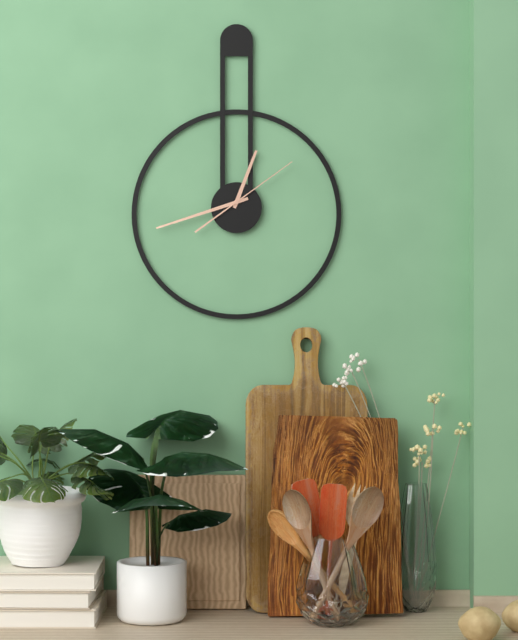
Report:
**12:42:09**
